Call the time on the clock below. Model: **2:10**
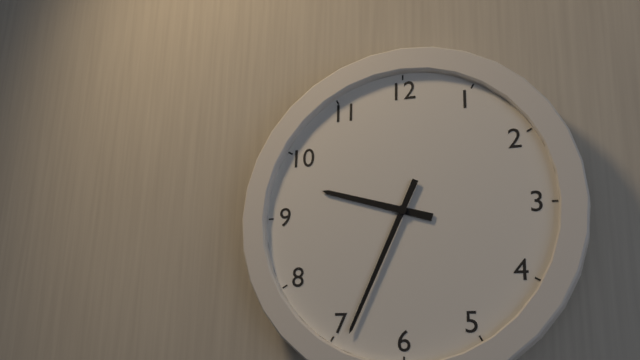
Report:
**9:34**
